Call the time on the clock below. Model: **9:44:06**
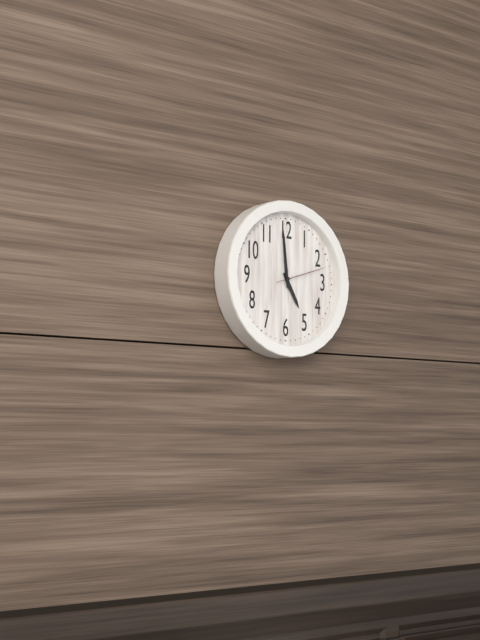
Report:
**4:59:12**
